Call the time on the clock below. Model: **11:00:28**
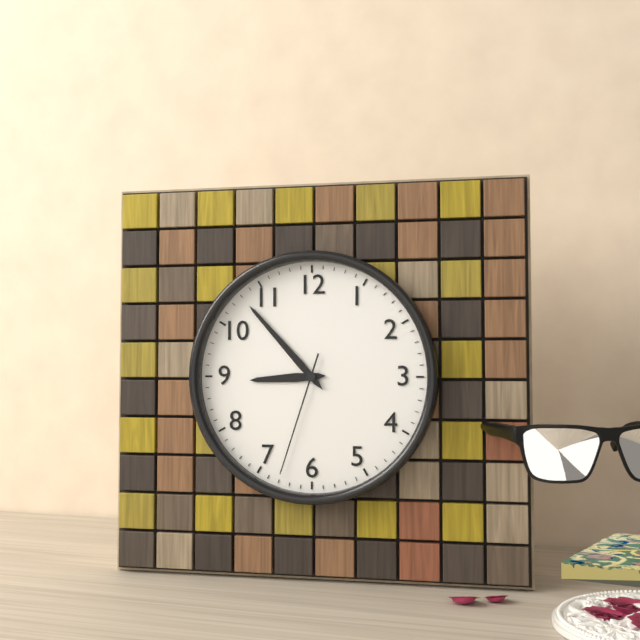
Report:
**8:53:33**
